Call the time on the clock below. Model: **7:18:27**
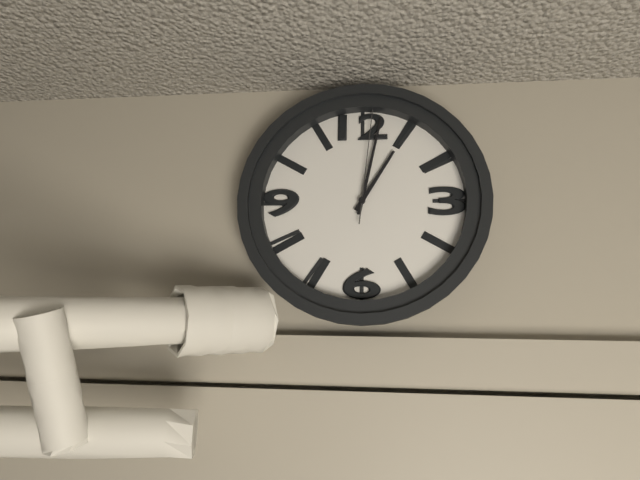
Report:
**1:02:01**
